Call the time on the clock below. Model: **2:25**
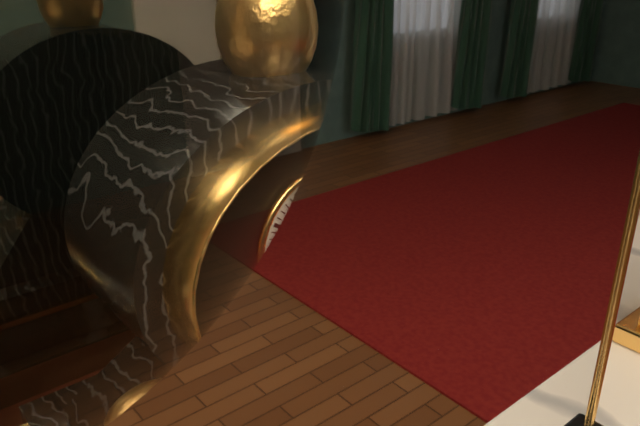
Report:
**12:44**
